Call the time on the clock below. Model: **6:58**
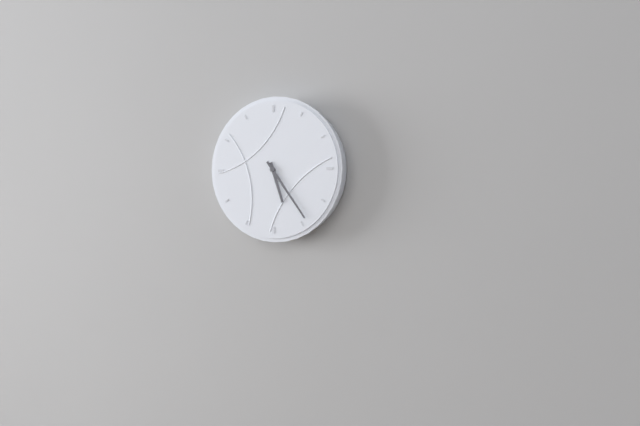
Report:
**5:24**
